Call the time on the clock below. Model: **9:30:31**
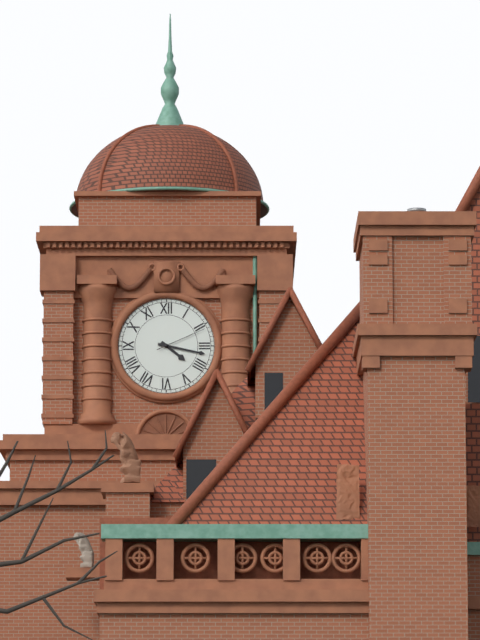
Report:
**4:17:11**
